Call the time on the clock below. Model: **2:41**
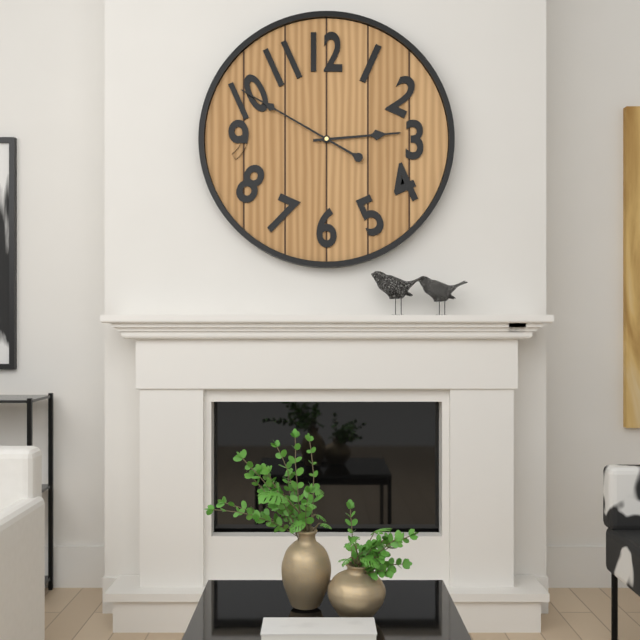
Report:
**2:50**
